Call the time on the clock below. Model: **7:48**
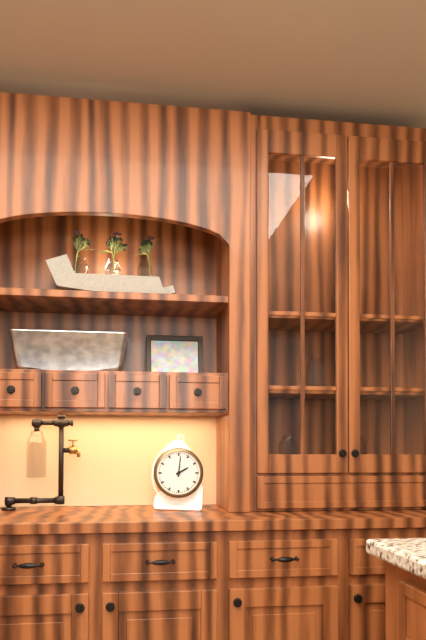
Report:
**2:01**
